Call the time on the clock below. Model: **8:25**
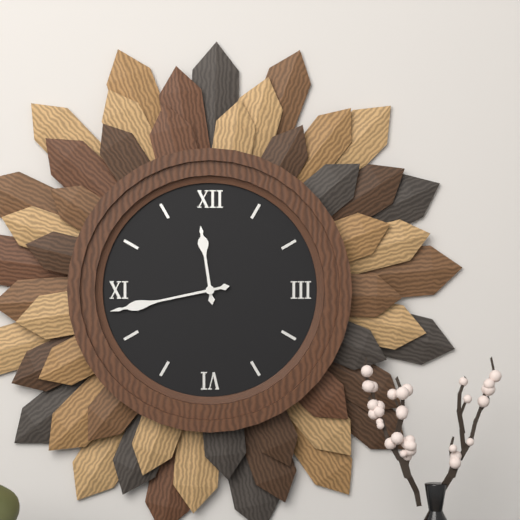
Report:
**11:43**
